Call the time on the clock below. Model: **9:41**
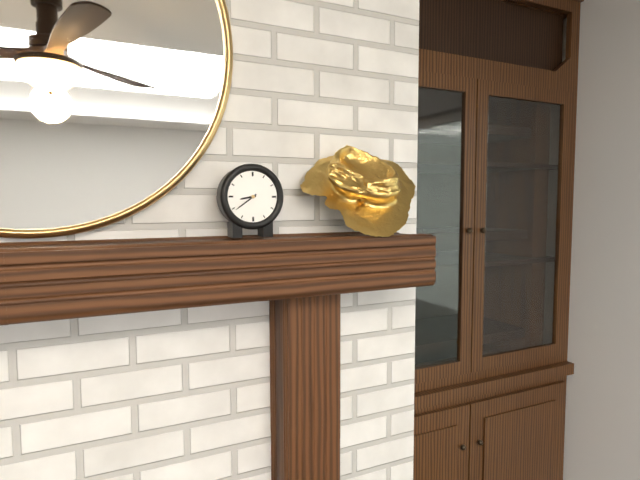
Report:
**8:39**
